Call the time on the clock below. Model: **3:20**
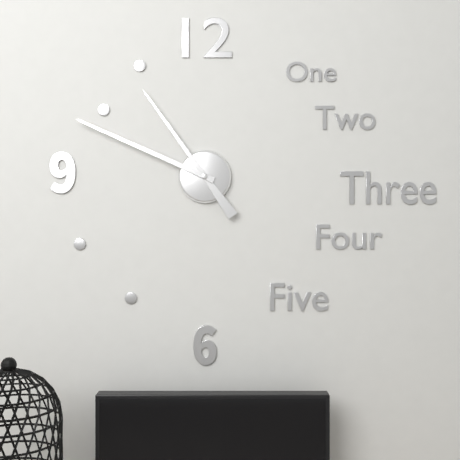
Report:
**10:49**
